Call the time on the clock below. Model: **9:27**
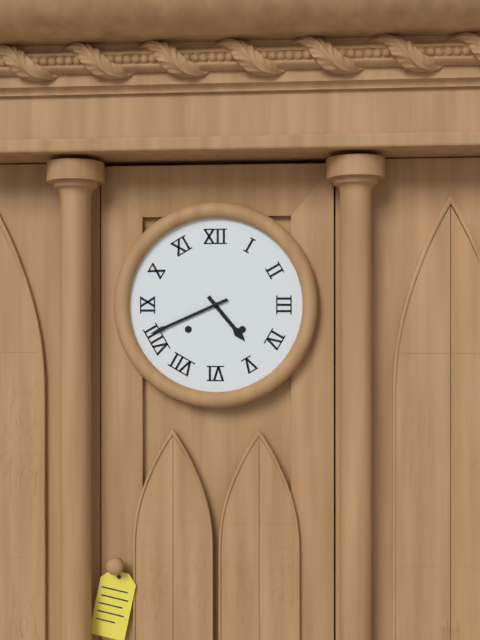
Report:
**4:41**
